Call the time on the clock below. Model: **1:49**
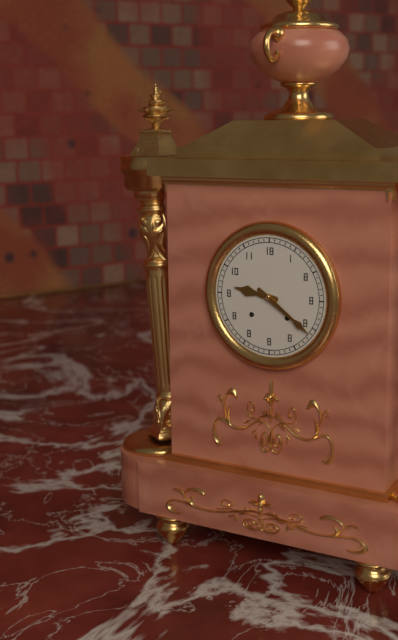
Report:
**9:21**
